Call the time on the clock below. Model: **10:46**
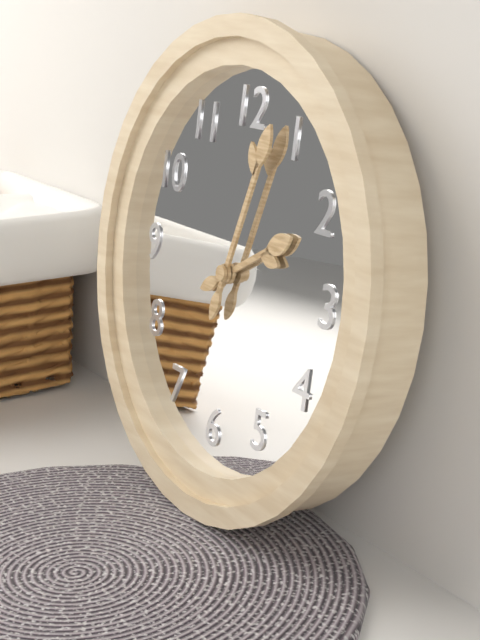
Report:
**2:03**
